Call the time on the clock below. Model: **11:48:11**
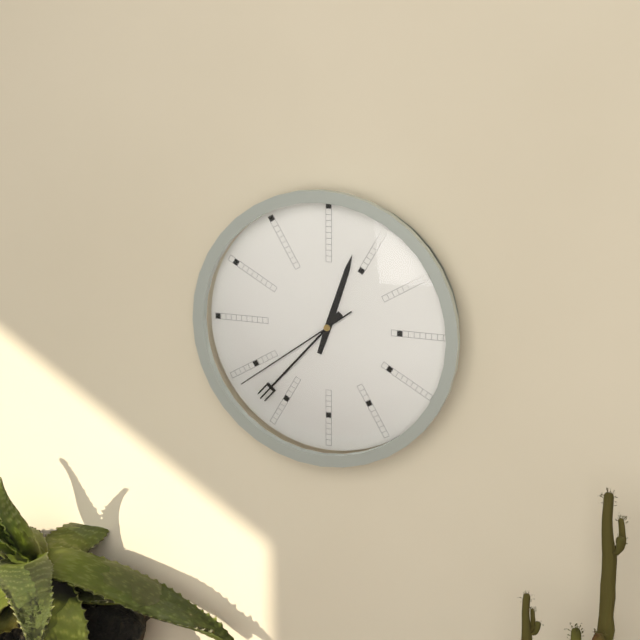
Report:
**12:37:39**
